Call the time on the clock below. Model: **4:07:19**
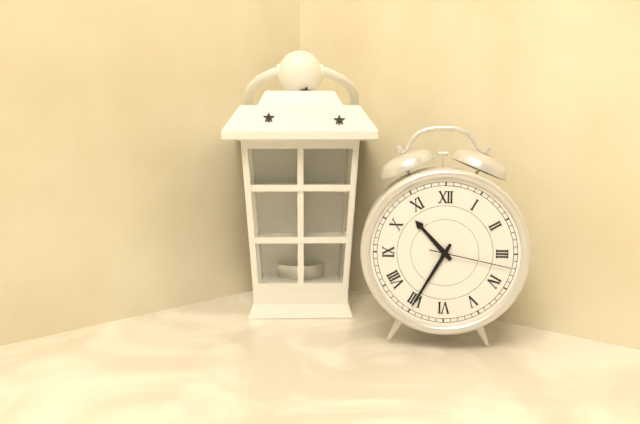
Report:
**10:35:17**
